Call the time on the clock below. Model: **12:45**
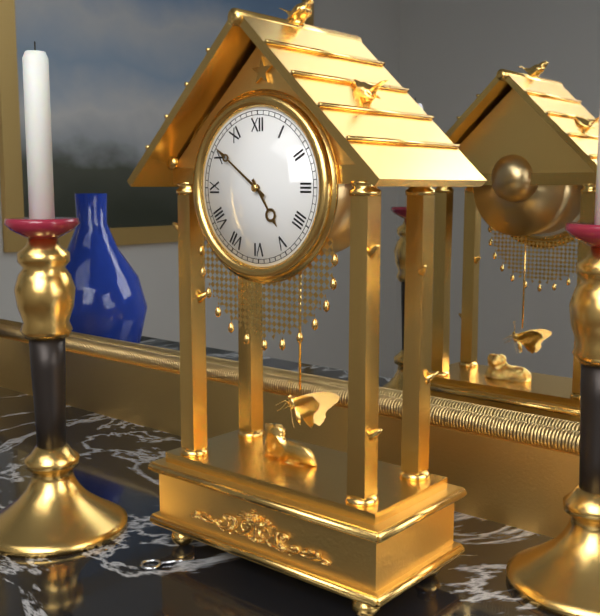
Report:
**4:51**
